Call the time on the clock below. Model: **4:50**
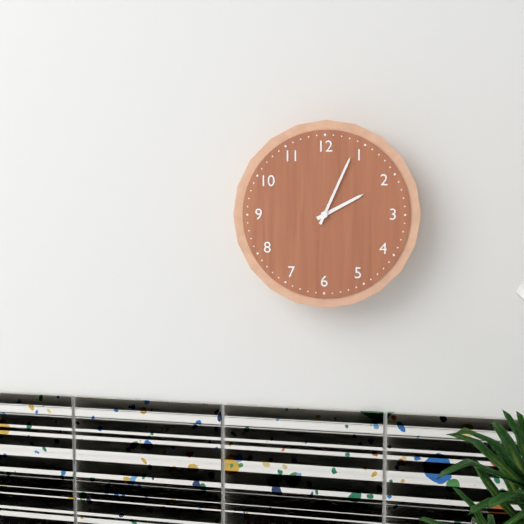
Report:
**2:04**
